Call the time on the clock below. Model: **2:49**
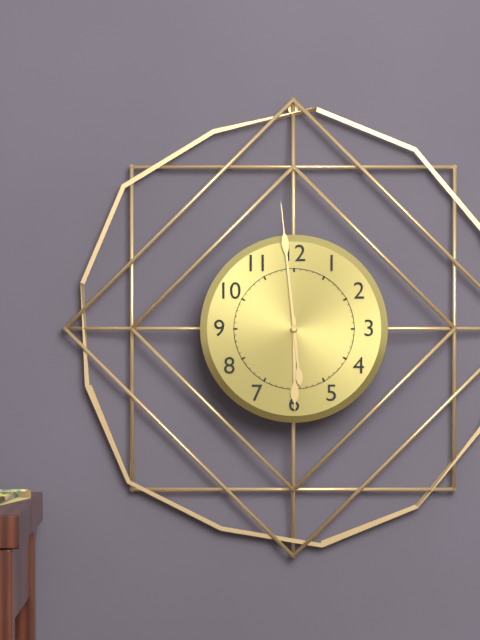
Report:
**5:59**
